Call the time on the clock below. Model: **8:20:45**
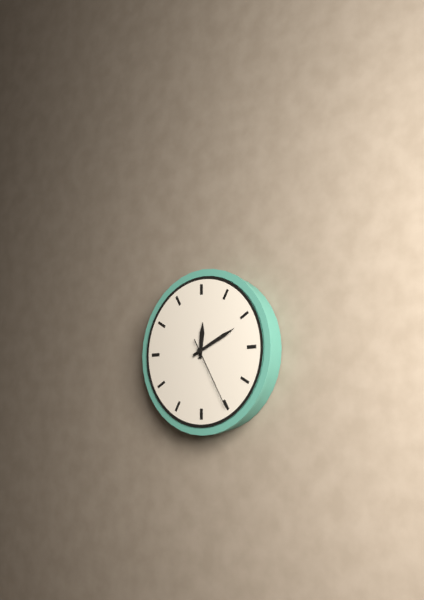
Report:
**12:11:25**
